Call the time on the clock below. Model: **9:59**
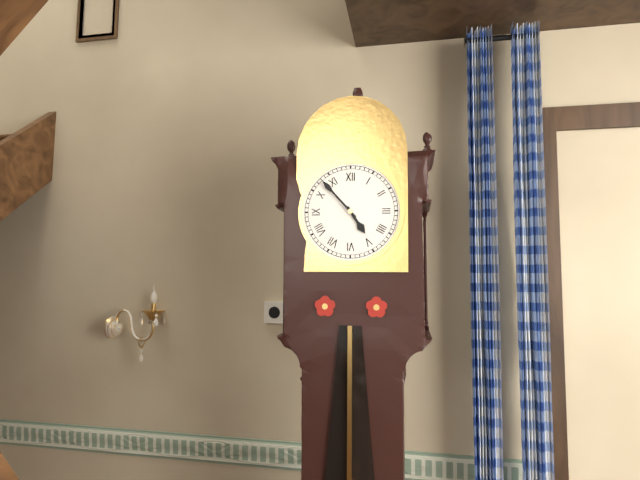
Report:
**4:53**
